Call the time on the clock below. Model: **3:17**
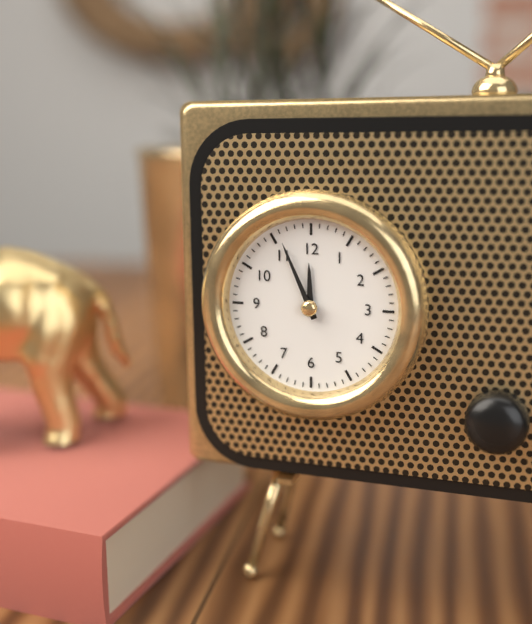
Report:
**11:56**
